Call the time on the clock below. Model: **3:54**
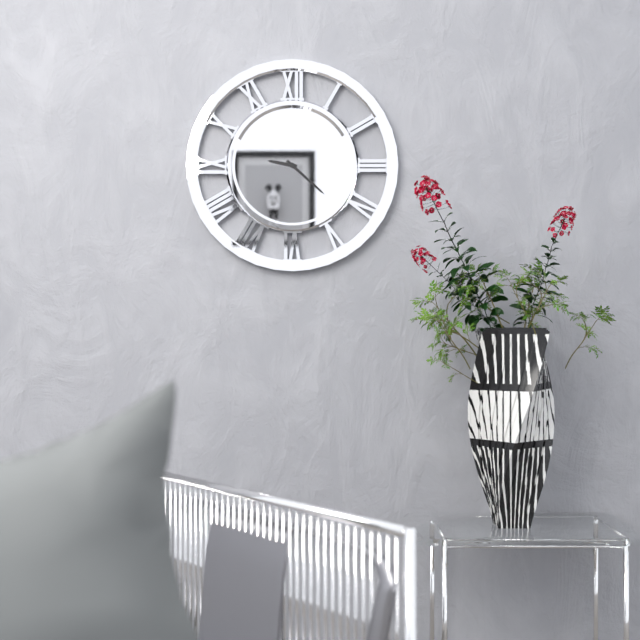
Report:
**9:22**
